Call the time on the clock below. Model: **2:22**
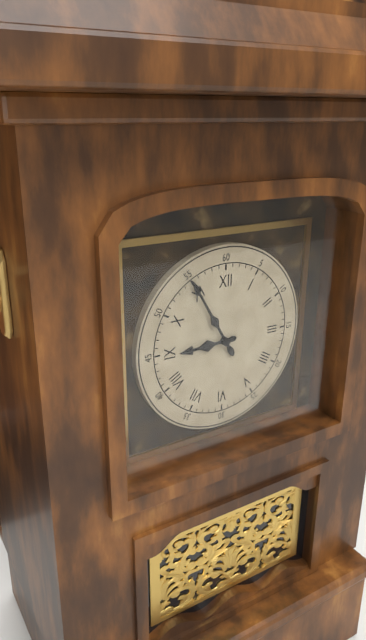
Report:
**8:55**
